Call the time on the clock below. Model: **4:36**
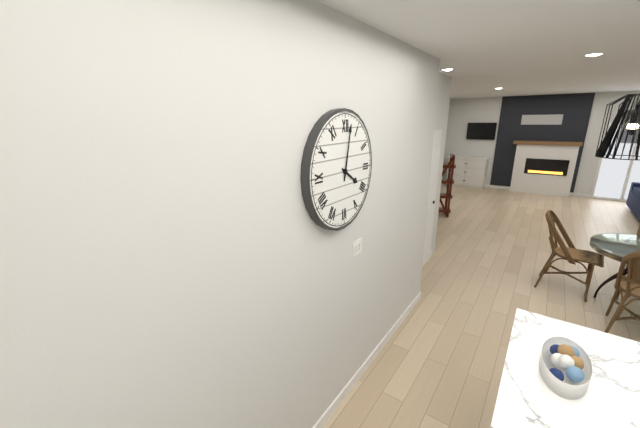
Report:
**4:02**
